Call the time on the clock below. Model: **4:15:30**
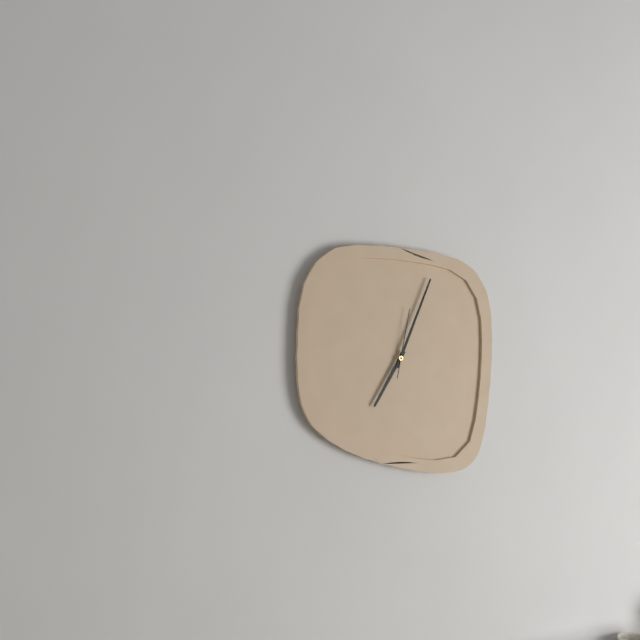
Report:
**7:04:02**
